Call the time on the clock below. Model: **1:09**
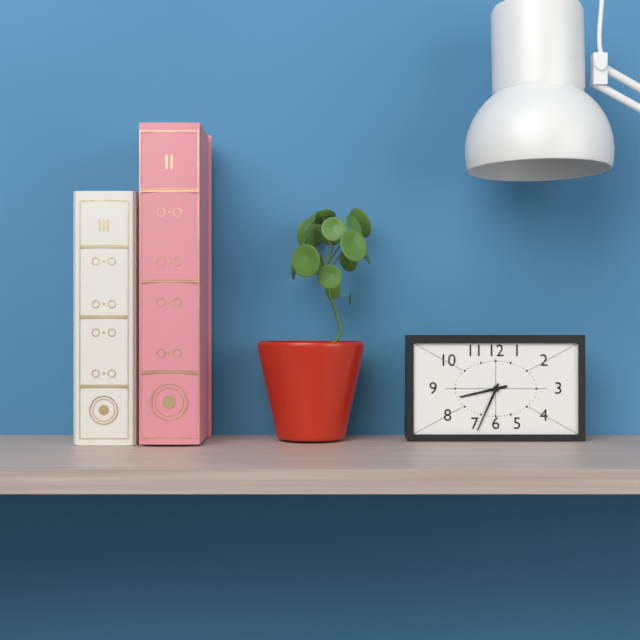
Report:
**8:34**
